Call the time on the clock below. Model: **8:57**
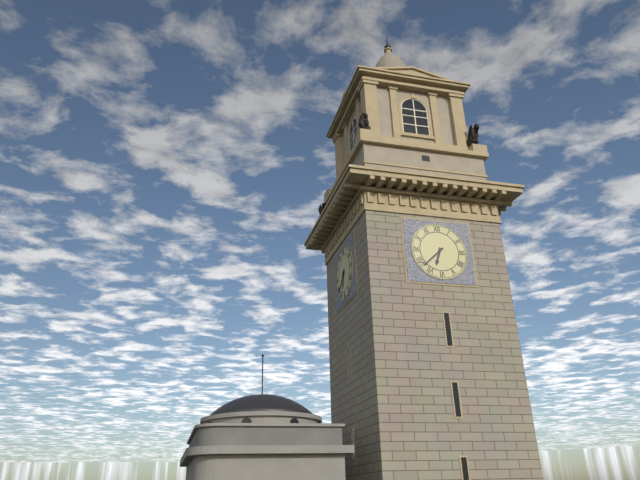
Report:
**6:38**
